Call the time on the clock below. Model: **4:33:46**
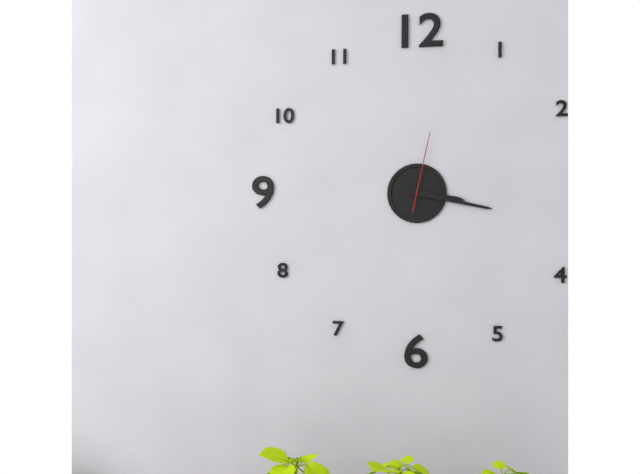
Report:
**3:17:02**
